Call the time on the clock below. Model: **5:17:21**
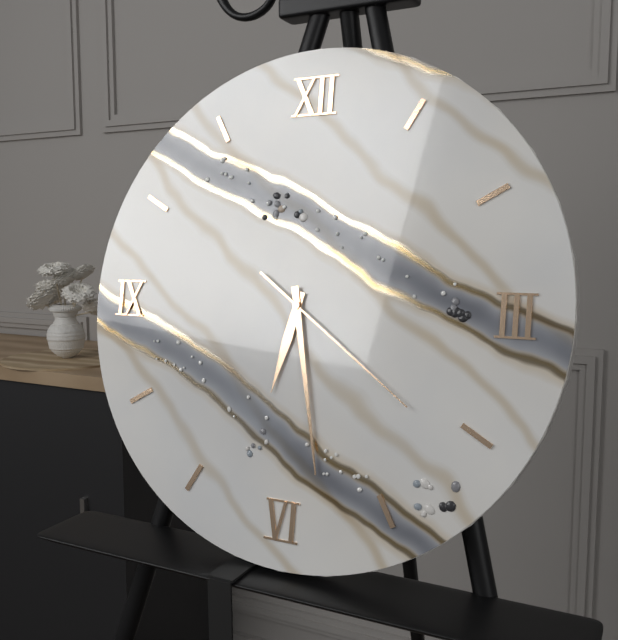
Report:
**6:28:21**
